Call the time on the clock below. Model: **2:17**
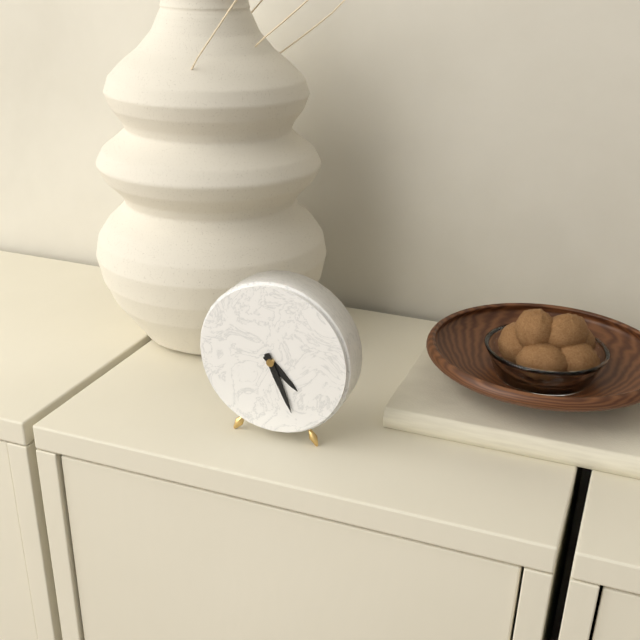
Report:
**4:26**
